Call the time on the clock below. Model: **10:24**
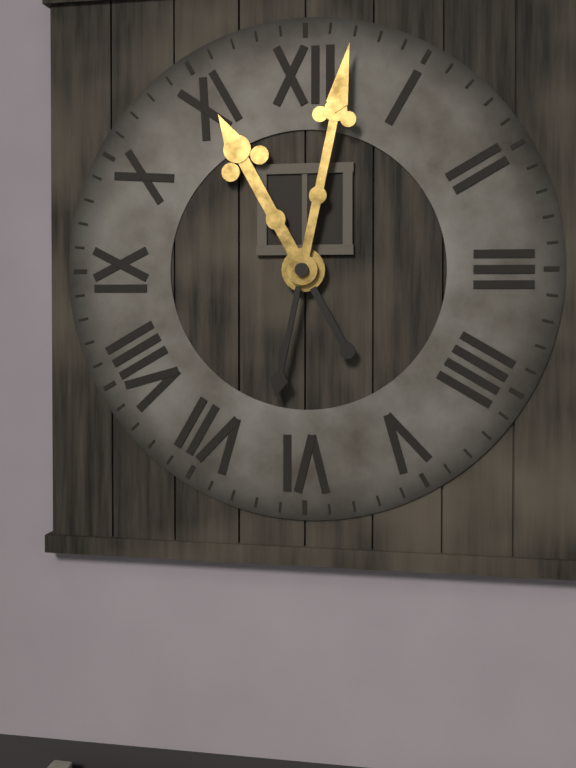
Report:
**11:02**
